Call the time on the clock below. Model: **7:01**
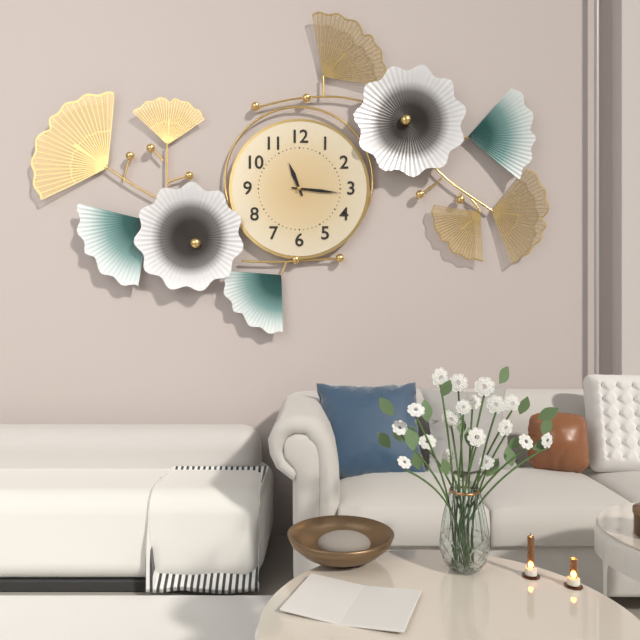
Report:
**11:16**
